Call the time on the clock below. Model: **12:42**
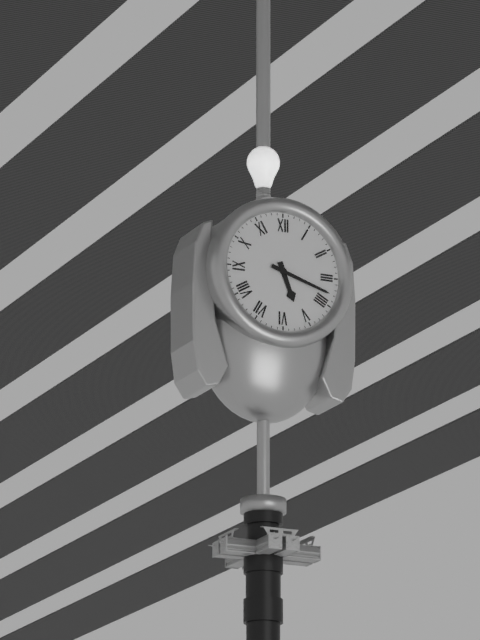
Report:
**5:18**
